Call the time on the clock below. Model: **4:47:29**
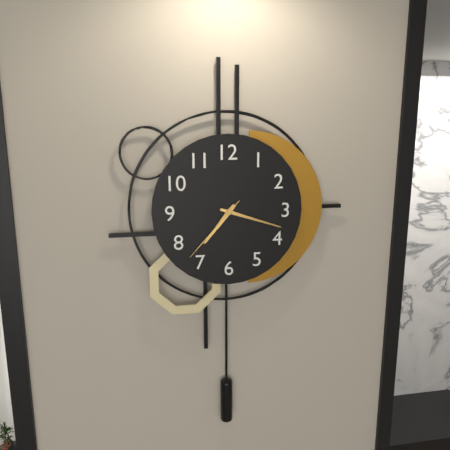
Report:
**7:18:37**
